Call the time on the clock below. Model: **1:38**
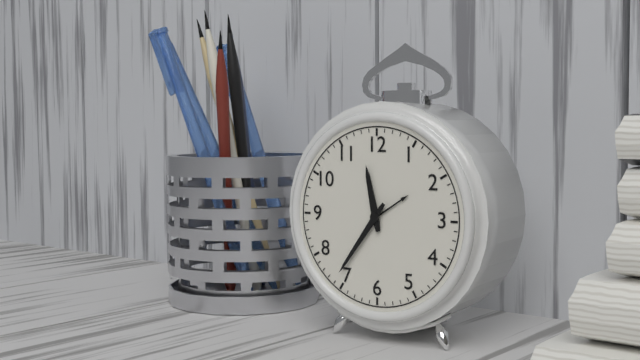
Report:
**11:36**
